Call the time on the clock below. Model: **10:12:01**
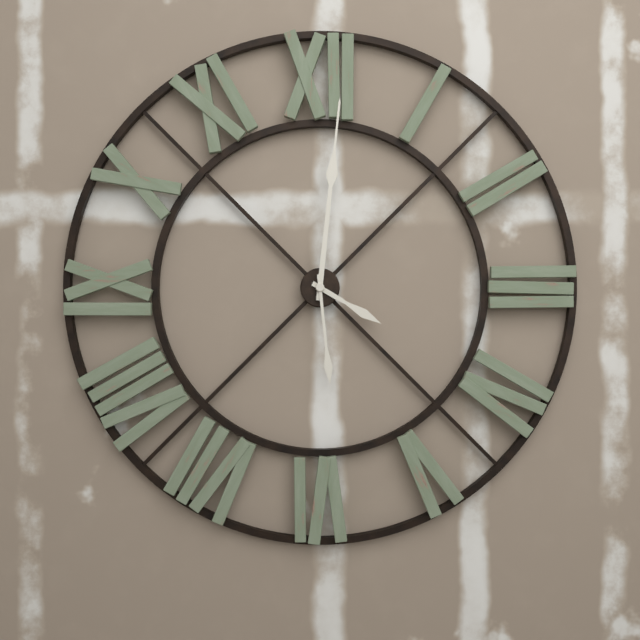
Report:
**4:01:29**
